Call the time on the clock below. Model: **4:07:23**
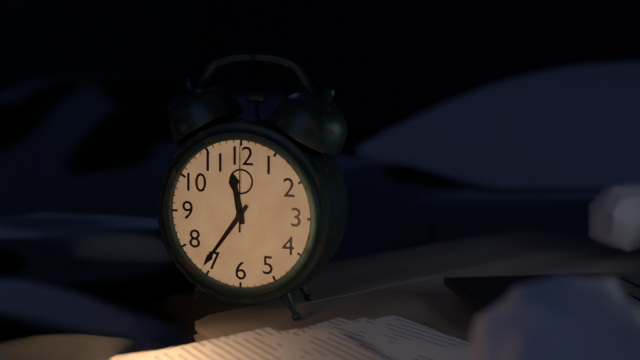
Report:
**11:36:00**
